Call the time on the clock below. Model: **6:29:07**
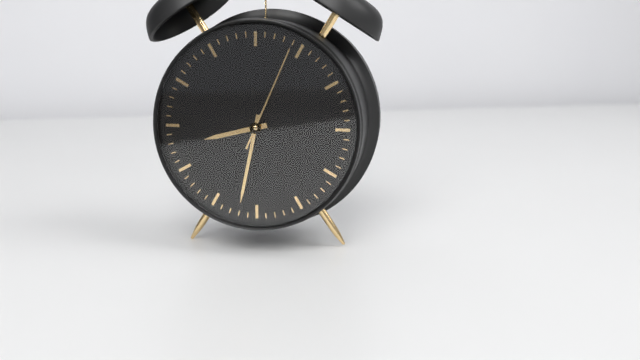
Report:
**8:32:04**
